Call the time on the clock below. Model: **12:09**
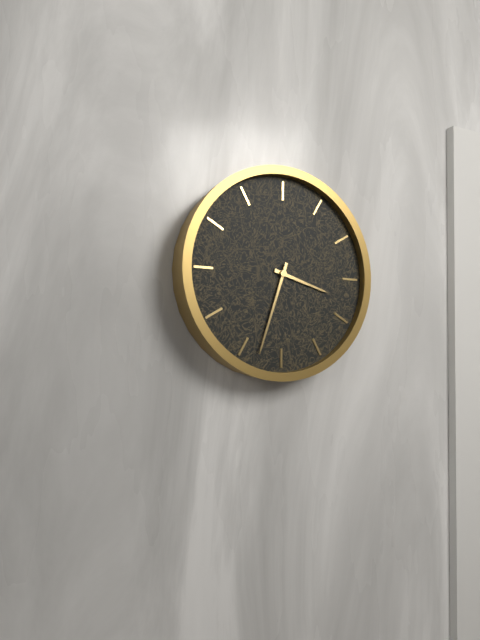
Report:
**3:33**
